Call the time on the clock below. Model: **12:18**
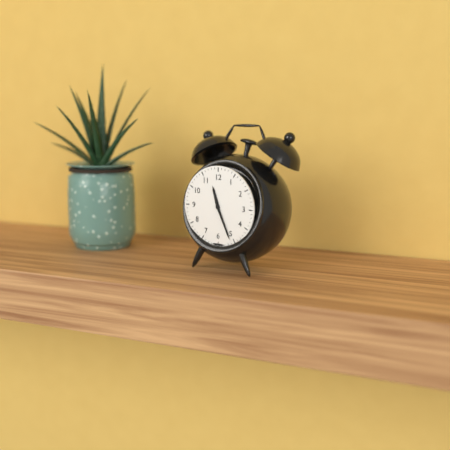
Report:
**11:26**
